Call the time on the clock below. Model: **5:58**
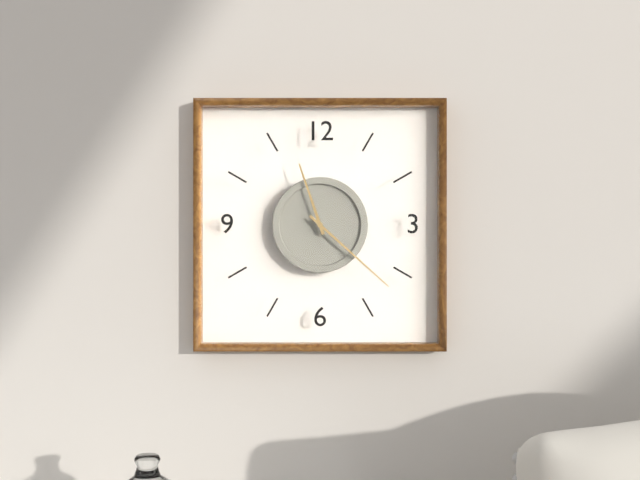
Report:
**11:22**
